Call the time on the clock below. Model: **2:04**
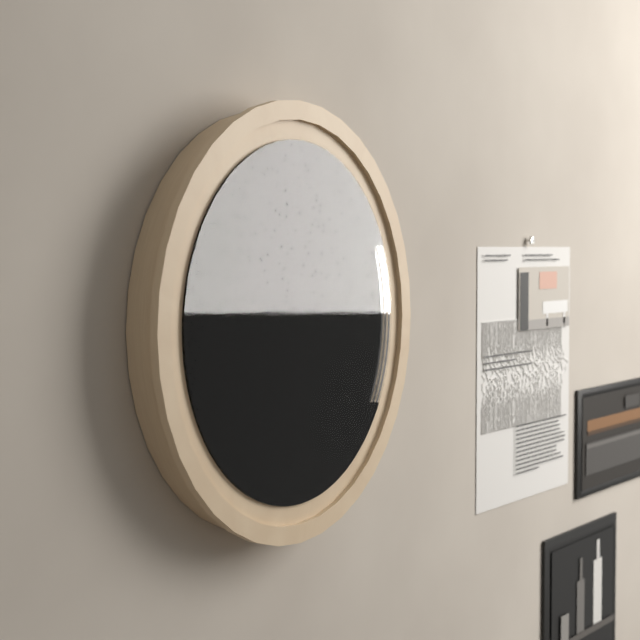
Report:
**8:38**
